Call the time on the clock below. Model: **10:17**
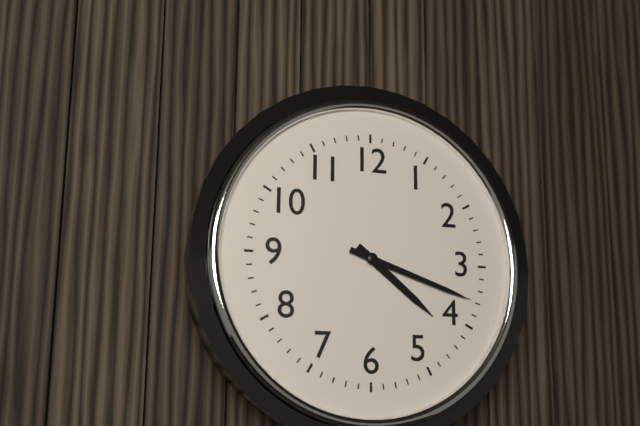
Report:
**4:18**
